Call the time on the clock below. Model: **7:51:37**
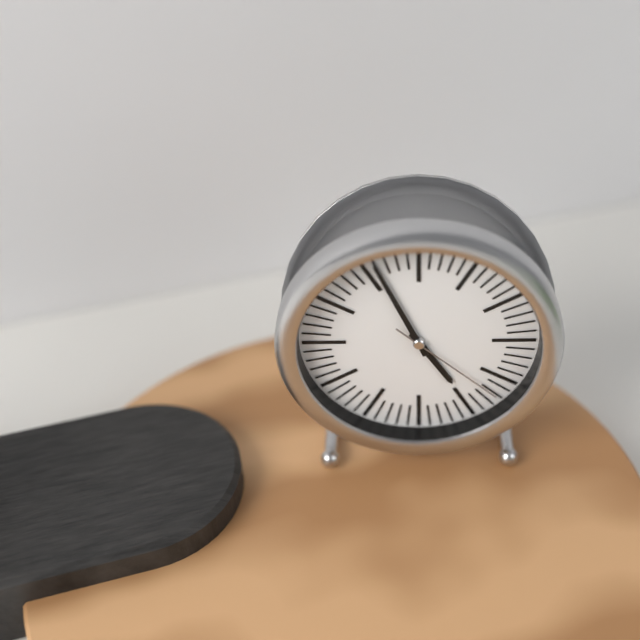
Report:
**4:56:22**
